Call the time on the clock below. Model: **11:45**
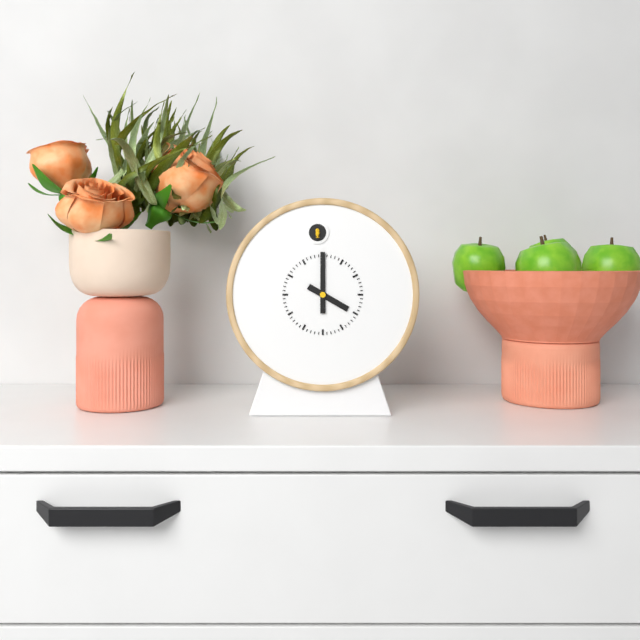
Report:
**4:00**
